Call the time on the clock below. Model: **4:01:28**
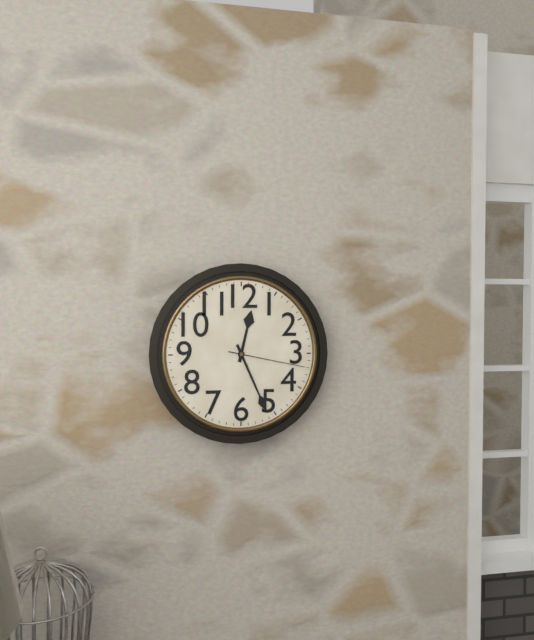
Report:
**12:26:17**
